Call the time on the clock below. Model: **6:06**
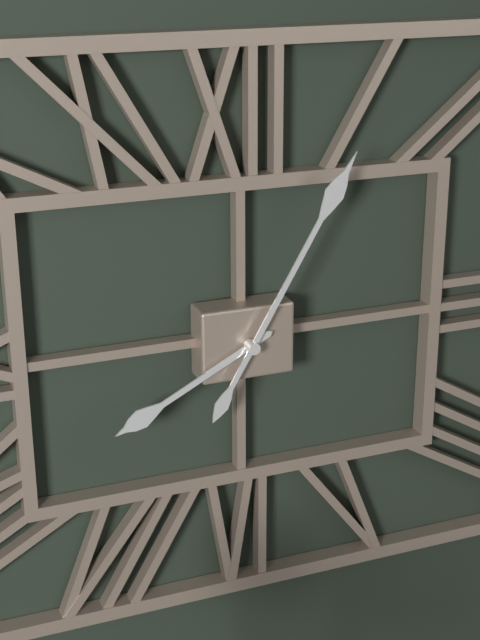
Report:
**8:05**
